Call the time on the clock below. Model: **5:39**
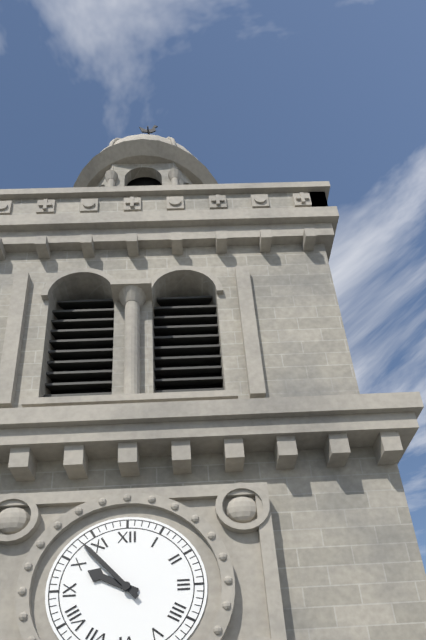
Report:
**9:53**
